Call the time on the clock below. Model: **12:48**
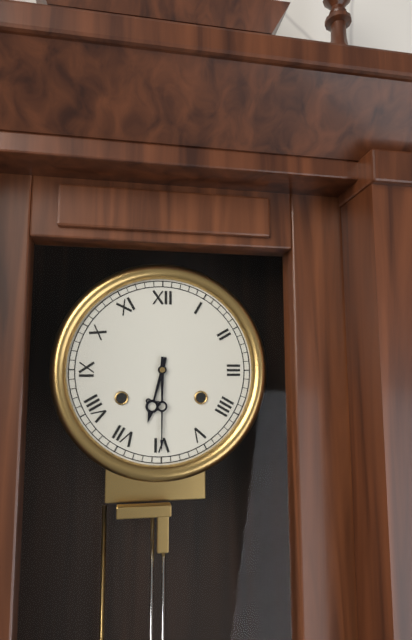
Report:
**6:30**
